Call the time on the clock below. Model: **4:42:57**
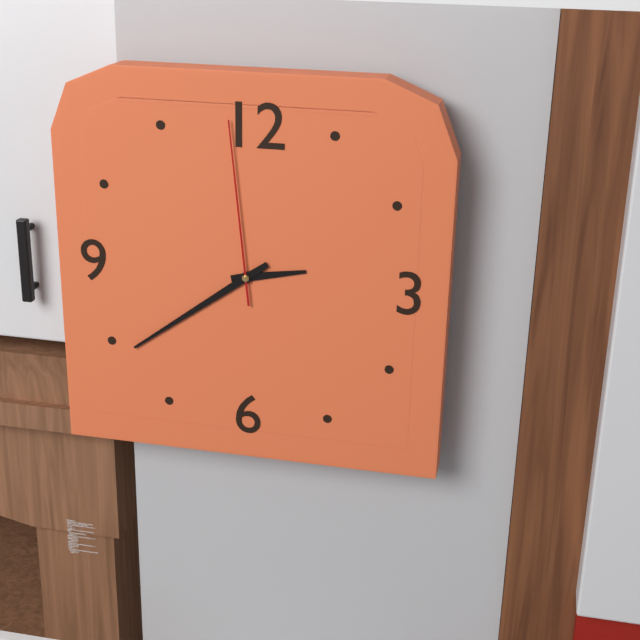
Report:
**2:39:59**
